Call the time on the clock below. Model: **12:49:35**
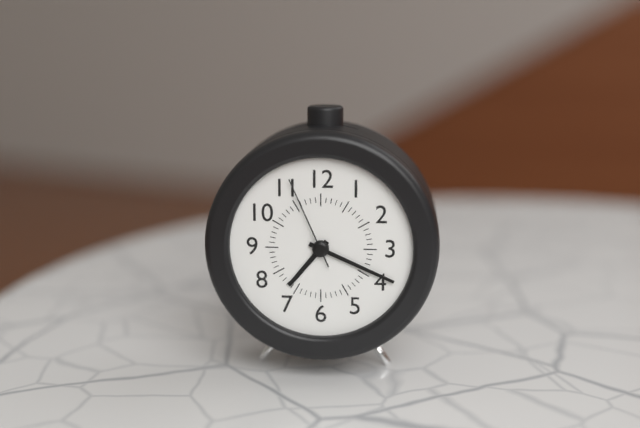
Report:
**7:19:56**
